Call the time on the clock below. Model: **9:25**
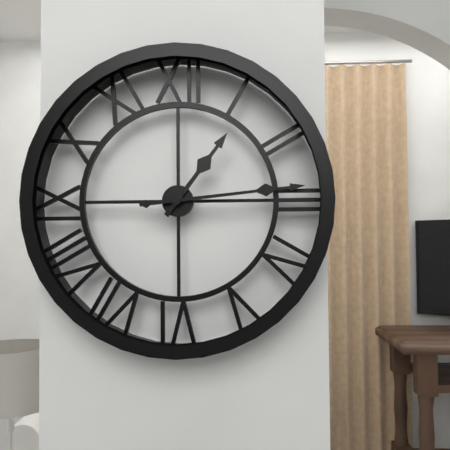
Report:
**1:14**
